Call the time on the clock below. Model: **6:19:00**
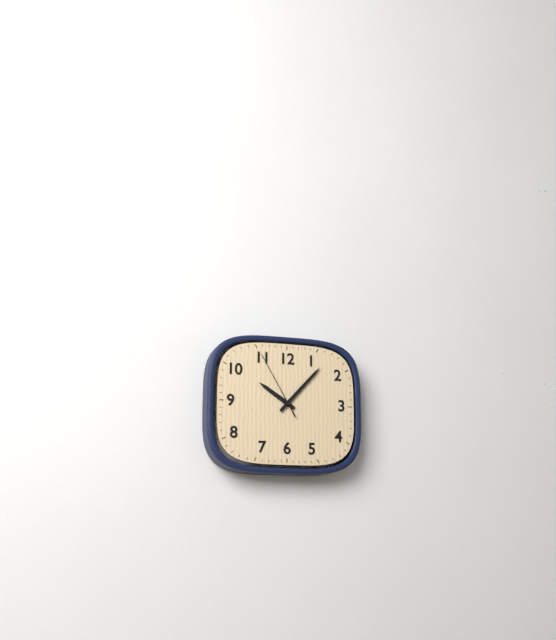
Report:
**10:07:55**
